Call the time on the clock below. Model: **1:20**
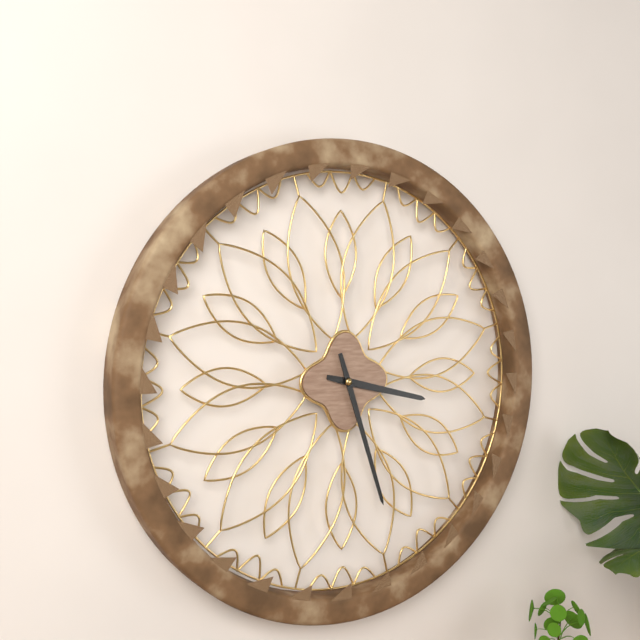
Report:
**3:27**
